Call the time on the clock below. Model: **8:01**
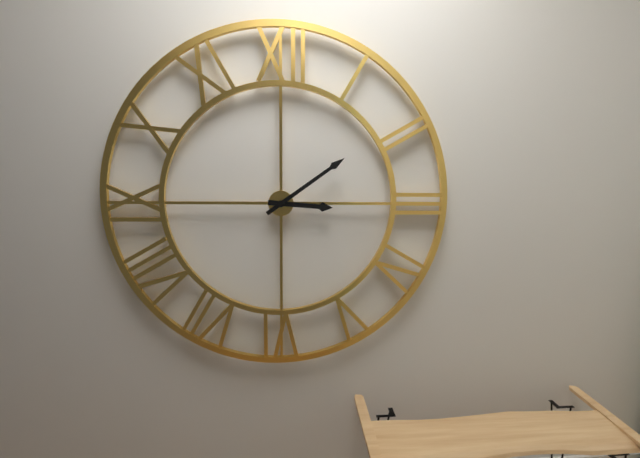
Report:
**3:09**
